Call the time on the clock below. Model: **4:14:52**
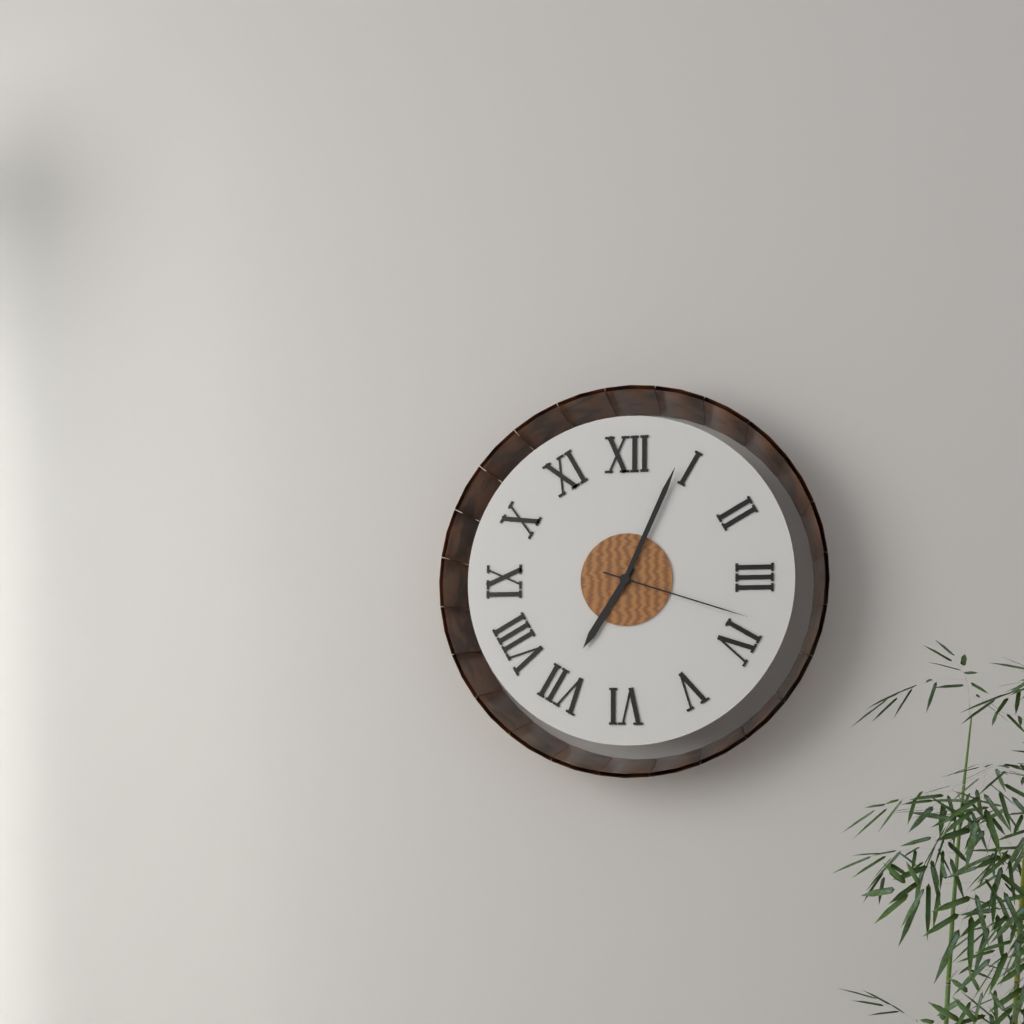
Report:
**7:04:18**
